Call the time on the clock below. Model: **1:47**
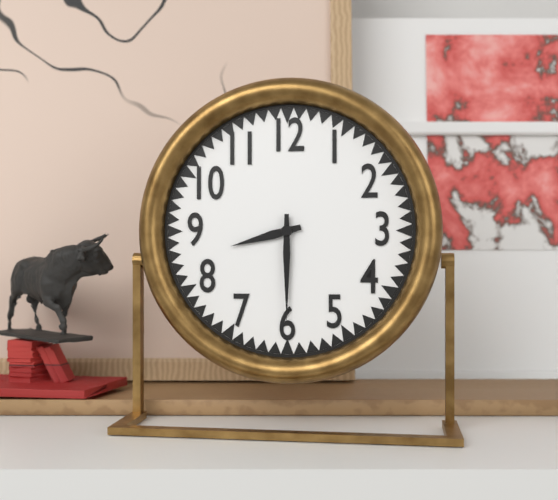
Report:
**8:30**
